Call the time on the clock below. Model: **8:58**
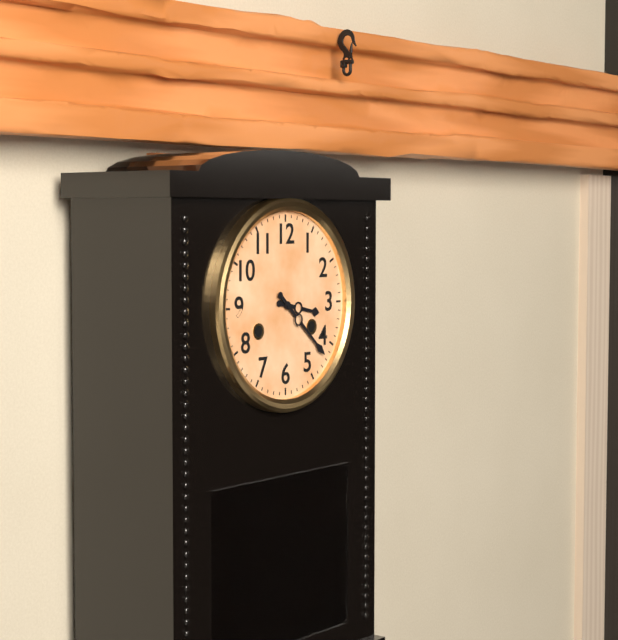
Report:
**3:22**
